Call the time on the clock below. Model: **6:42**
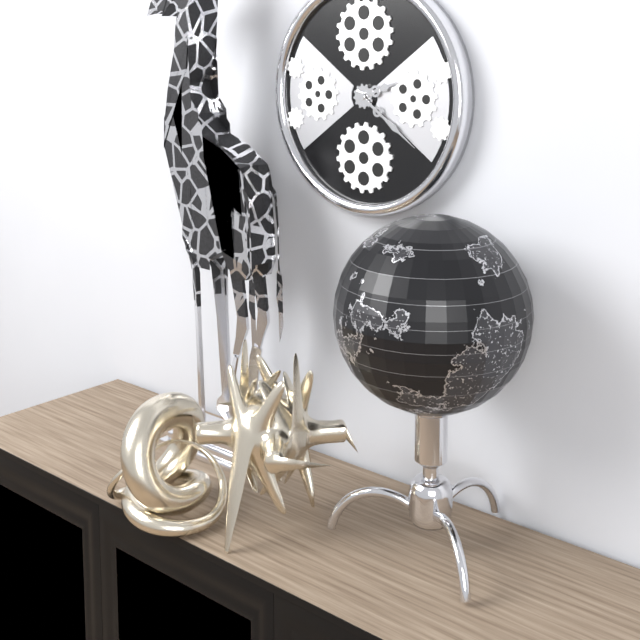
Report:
**2:21**
